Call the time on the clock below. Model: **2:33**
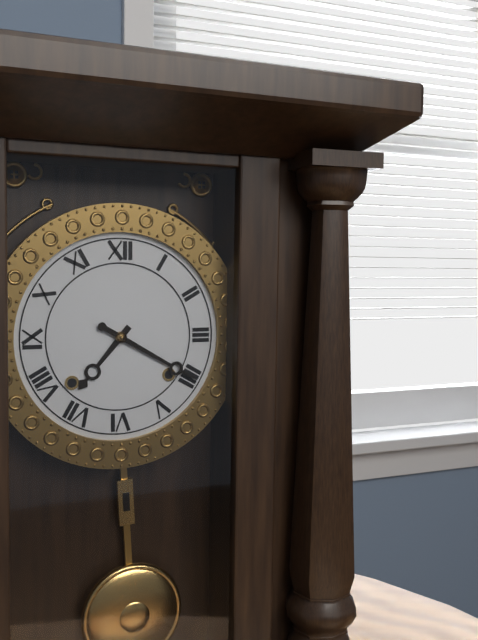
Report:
**7:20**
